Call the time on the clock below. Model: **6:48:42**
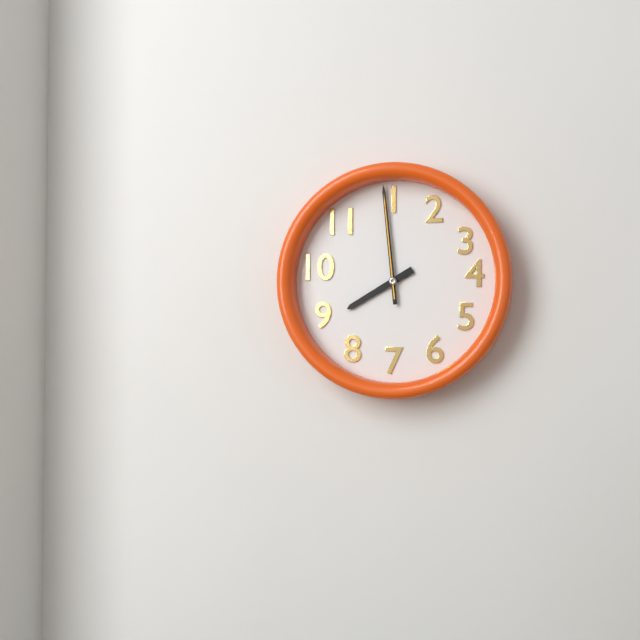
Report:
**7:59:59**
